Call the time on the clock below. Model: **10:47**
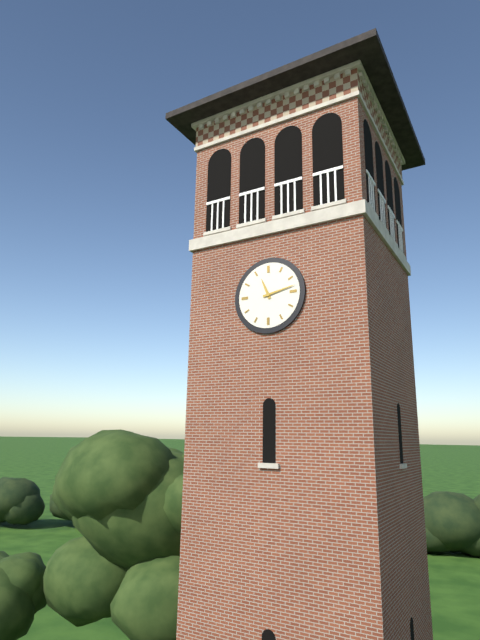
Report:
**11:13**
